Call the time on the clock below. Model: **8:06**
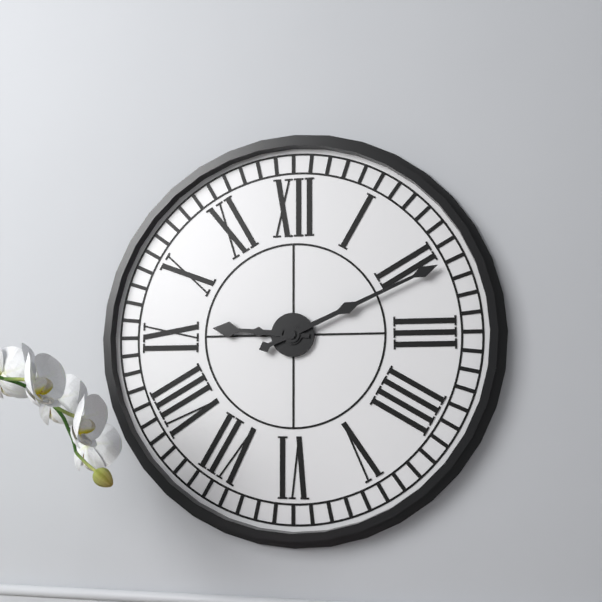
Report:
**9:11**
